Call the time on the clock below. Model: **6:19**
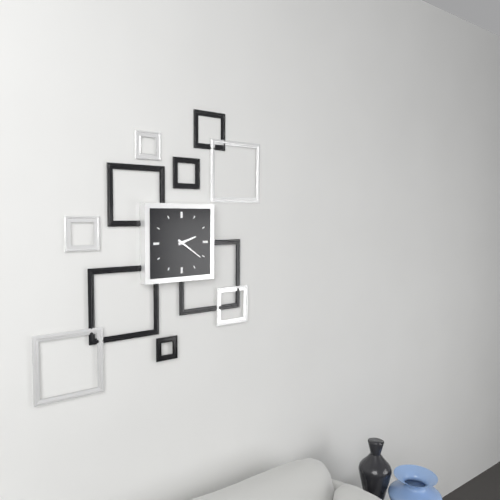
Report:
**2:21**
